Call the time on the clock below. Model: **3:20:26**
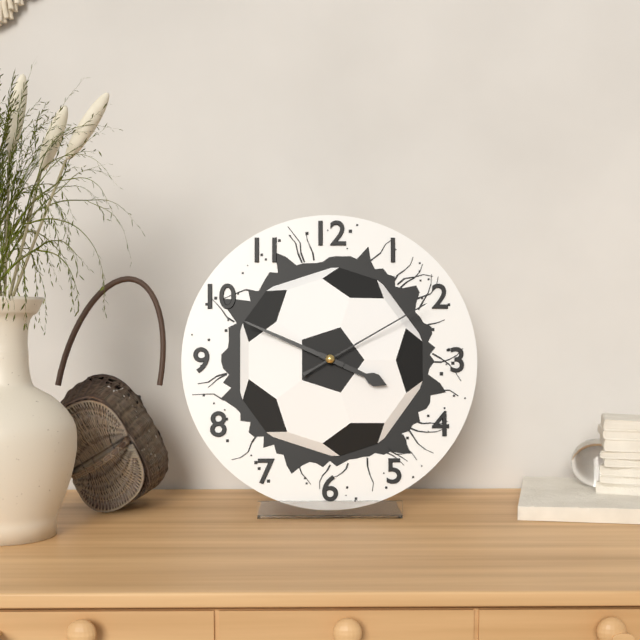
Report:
**3:49:10**
